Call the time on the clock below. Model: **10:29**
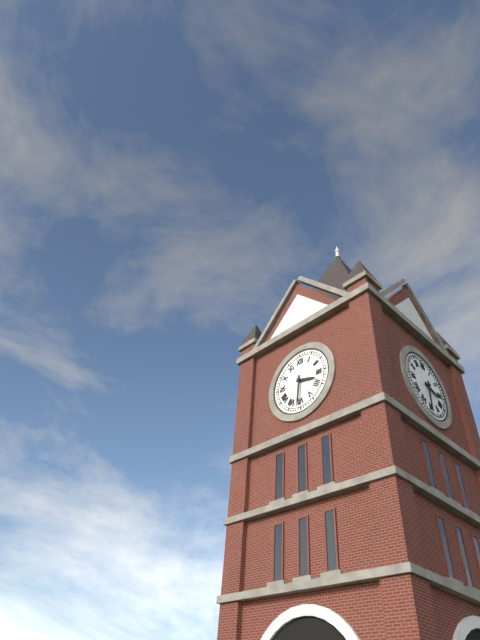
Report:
**3:31**
